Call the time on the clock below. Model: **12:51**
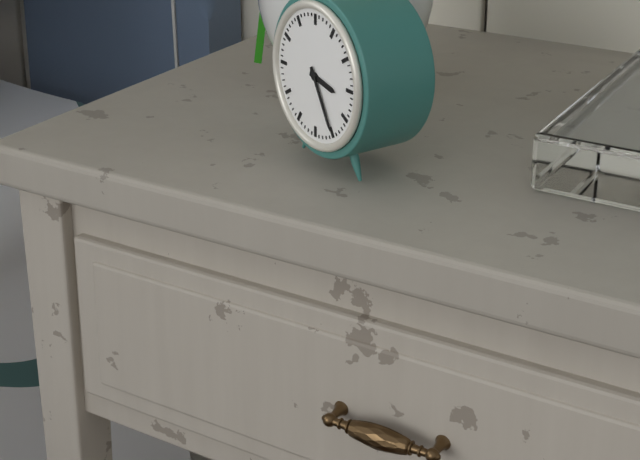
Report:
**3:25**
